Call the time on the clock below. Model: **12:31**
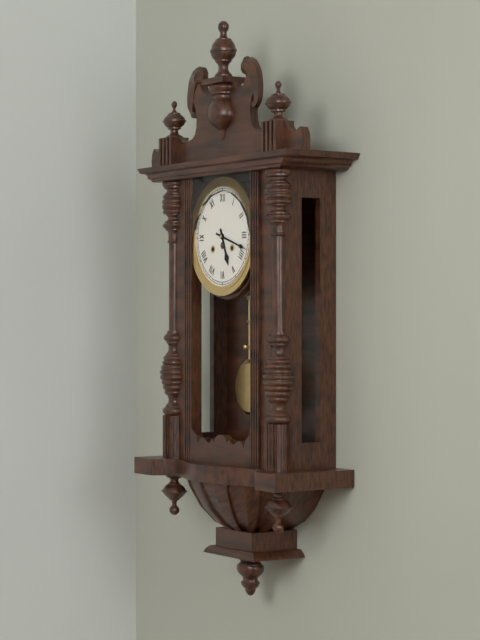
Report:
**5:18**
